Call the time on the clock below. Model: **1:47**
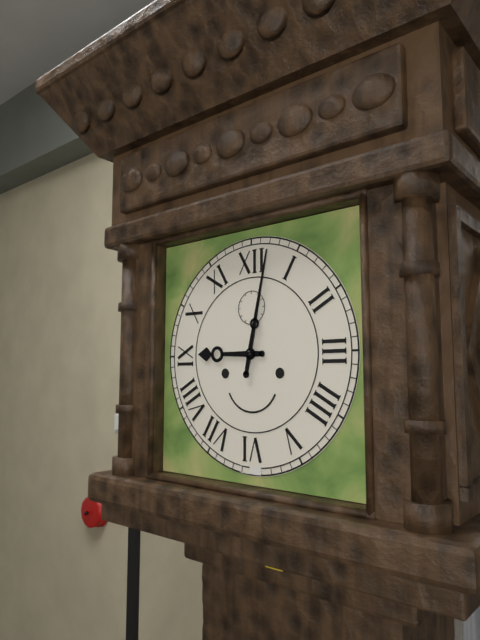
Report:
**9:02**
